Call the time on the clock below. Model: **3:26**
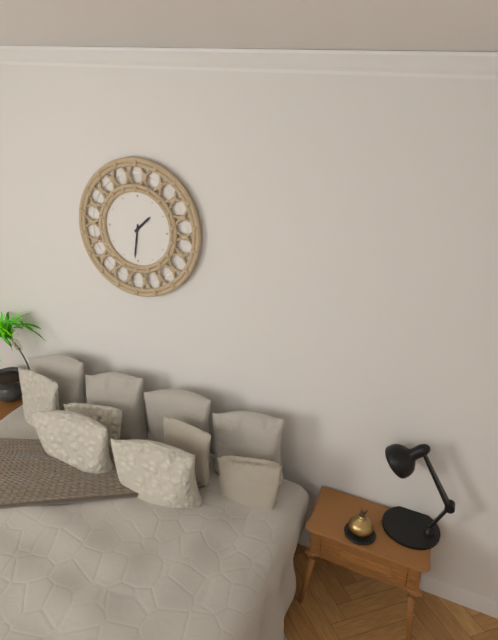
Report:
**1:31**
